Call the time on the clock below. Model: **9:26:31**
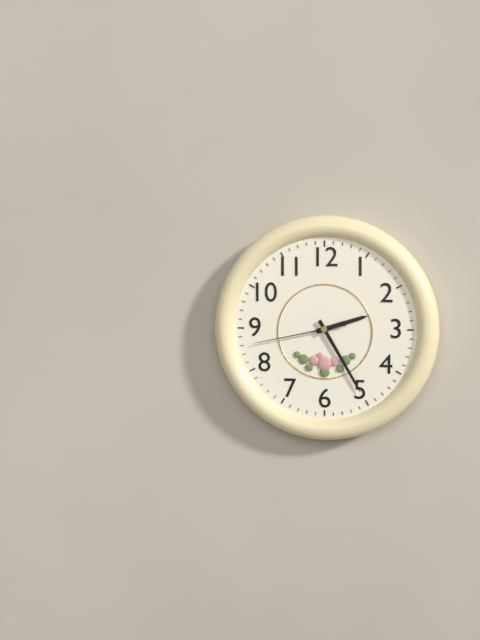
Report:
**2:25:43**
